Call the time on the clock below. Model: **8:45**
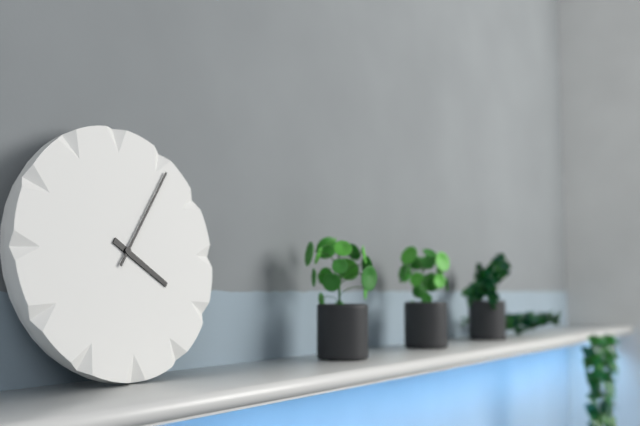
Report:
**4:06**
